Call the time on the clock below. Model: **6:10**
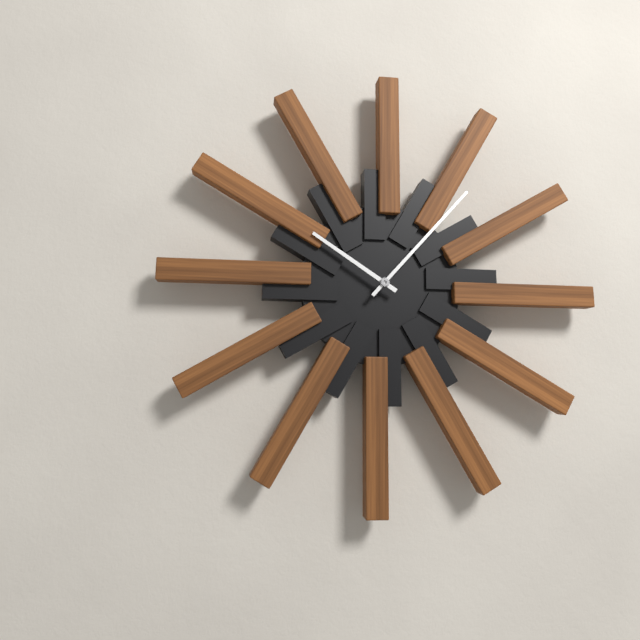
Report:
**10:07**
